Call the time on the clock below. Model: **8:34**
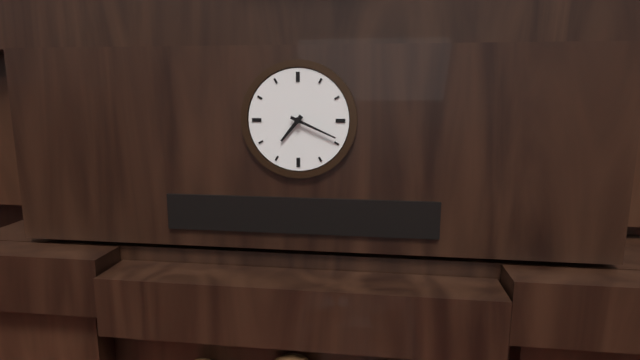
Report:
**7:19**
